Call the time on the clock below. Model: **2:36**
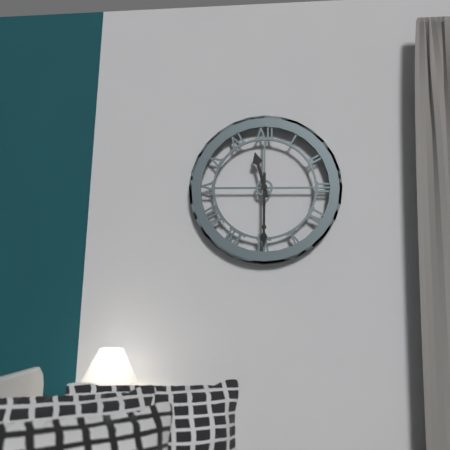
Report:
**11:30**
